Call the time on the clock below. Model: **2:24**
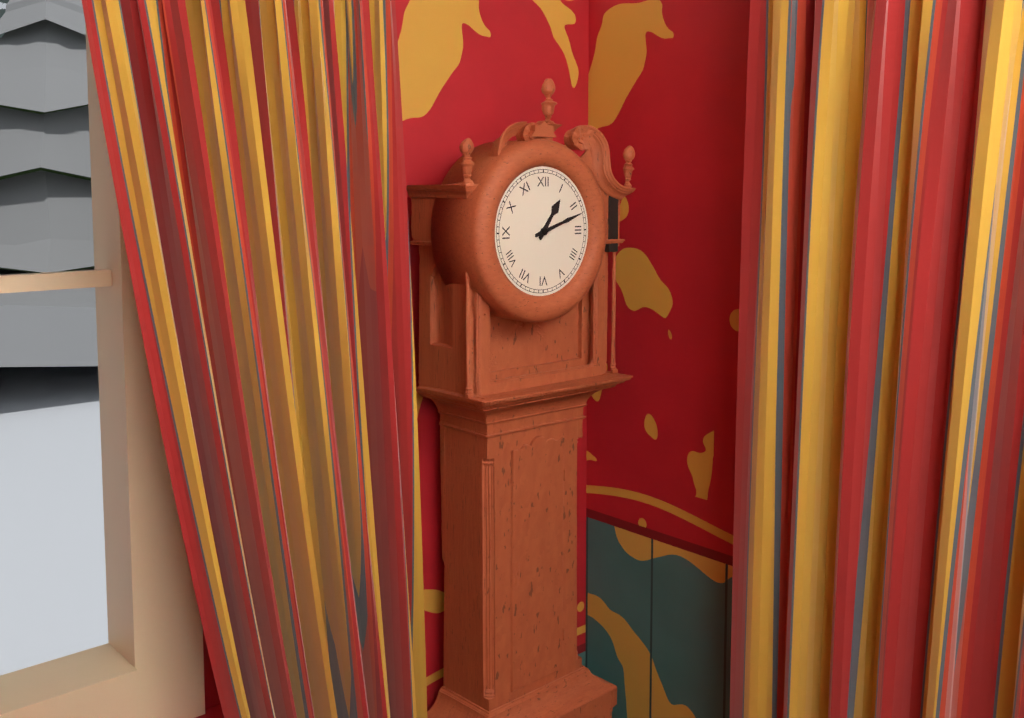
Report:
**1:12**
